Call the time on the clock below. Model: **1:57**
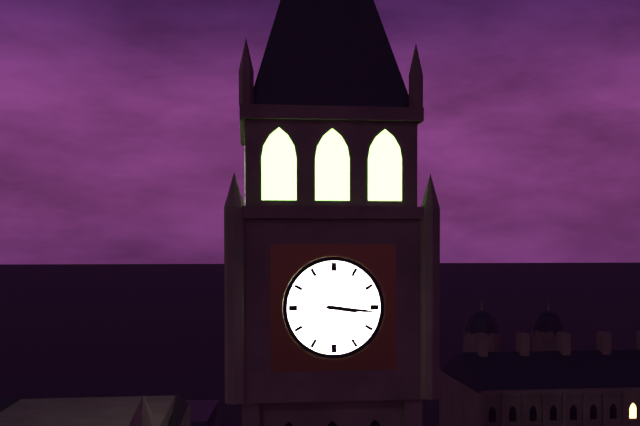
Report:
**3:16**
